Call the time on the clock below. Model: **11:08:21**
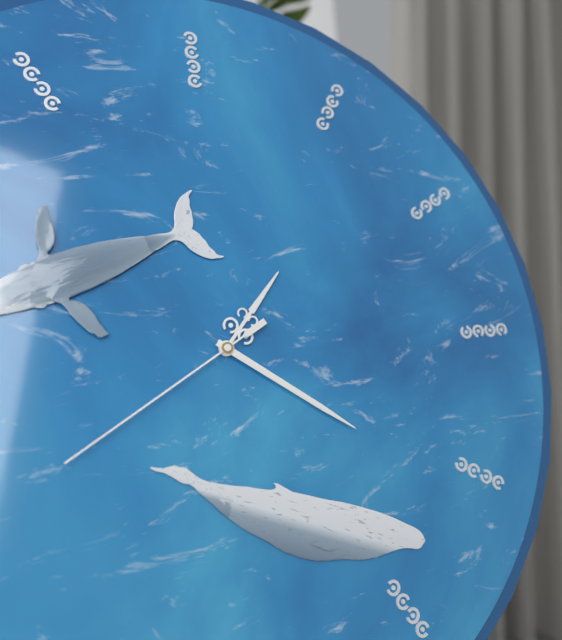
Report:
**1:21:40**
